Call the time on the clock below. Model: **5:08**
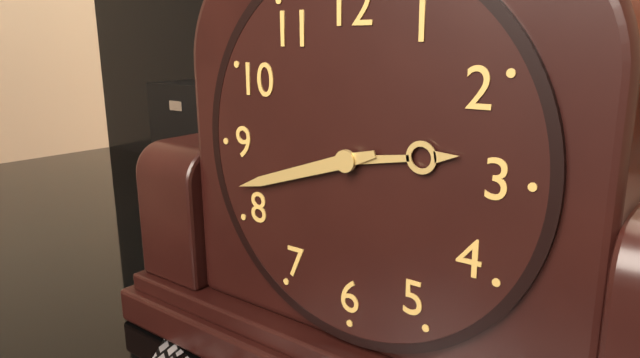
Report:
**2:42**
